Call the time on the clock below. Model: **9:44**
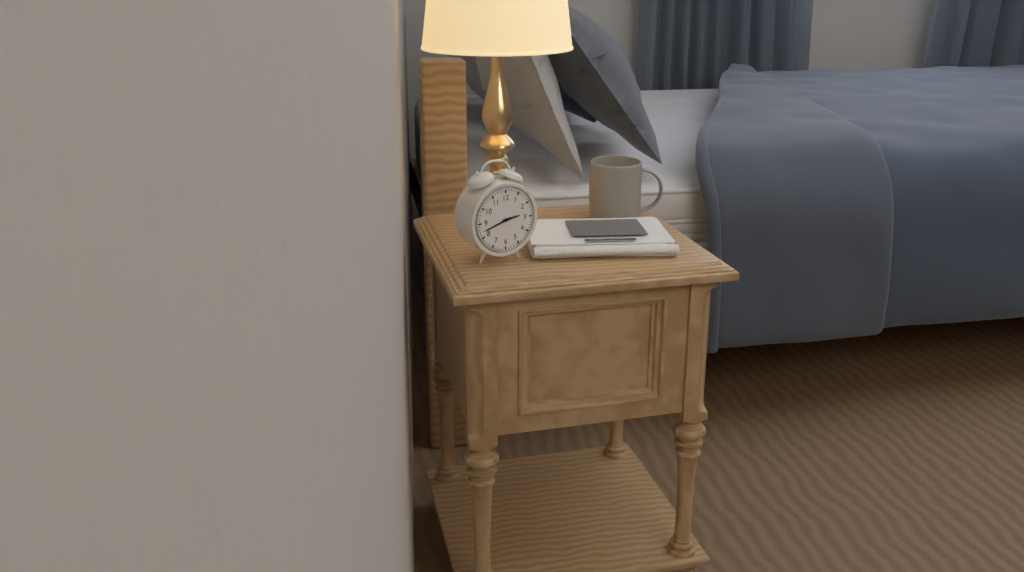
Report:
**2:42**
